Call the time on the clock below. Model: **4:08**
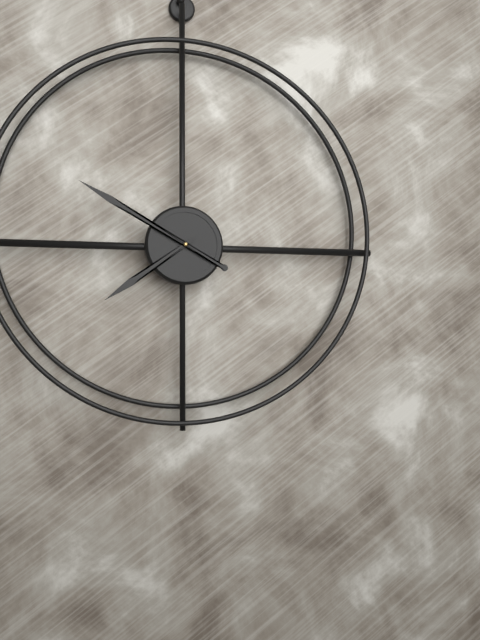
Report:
**7:50**
